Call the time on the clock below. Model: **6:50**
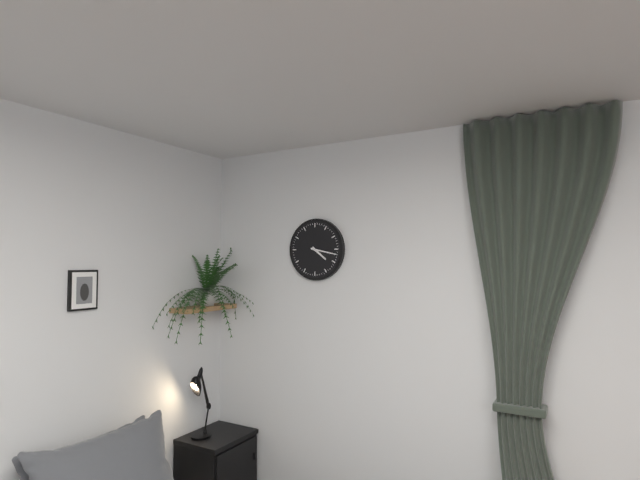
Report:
**4:17**
